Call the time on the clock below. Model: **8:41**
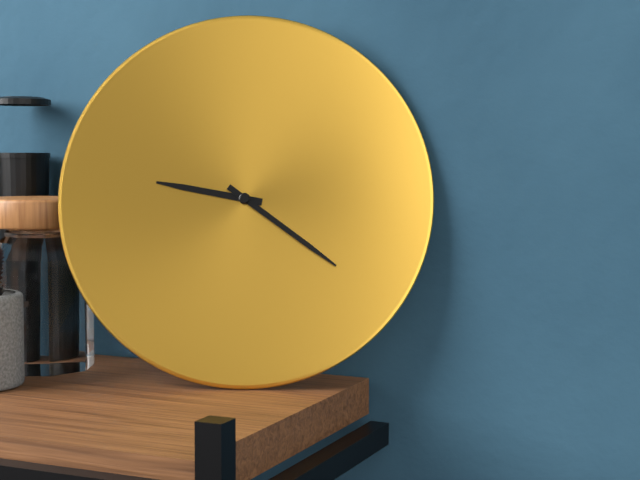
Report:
**9:21**
